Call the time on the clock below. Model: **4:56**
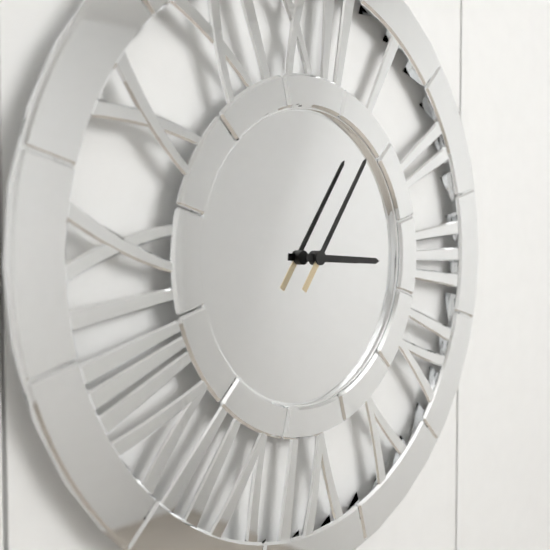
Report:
**3:06**
